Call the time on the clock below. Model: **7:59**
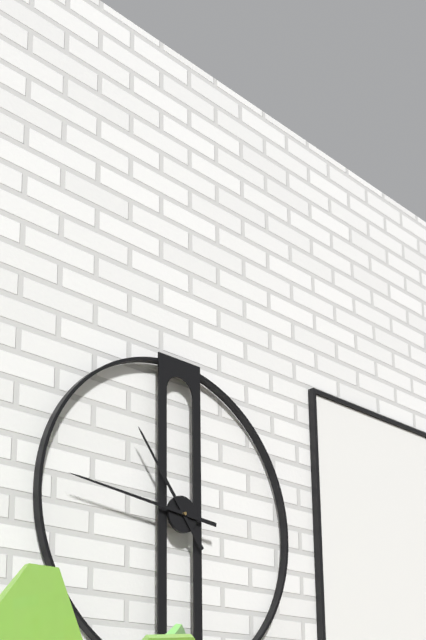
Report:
**10:46**
